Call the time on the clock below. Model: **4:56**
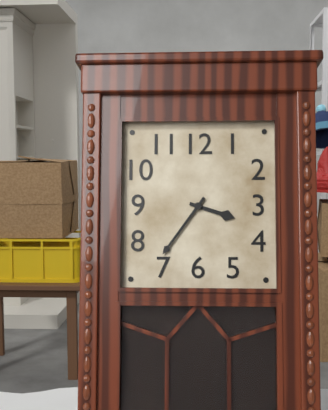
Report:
**3:36**
